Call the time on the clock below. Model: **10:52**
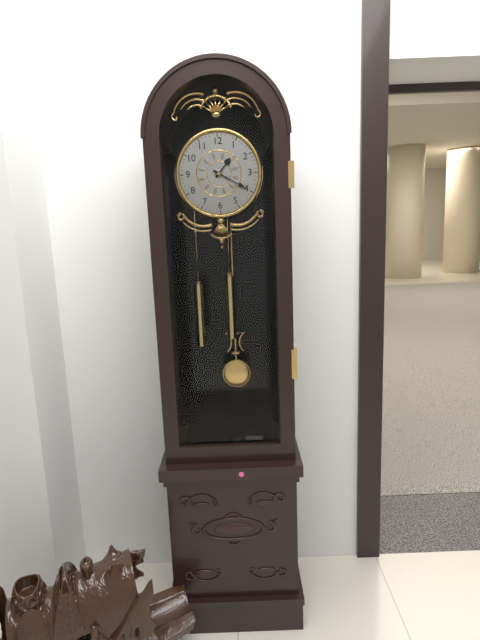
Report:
**1:20**
